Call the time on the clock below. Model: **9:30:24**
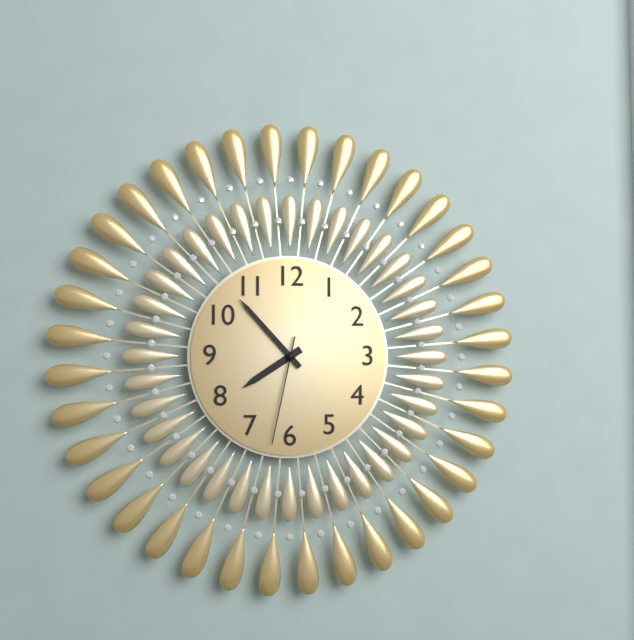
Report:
**7:53:32**
